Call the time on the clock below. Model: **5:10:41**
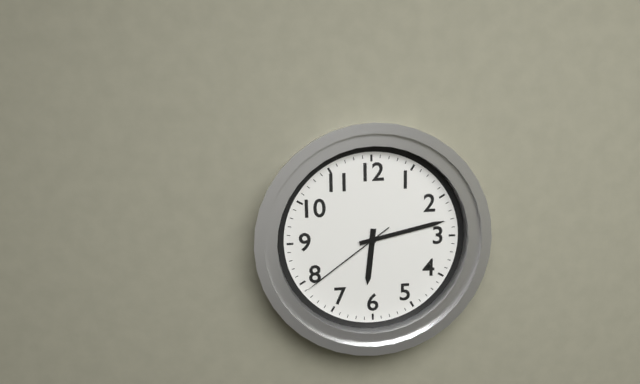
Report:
**6:13:39**
